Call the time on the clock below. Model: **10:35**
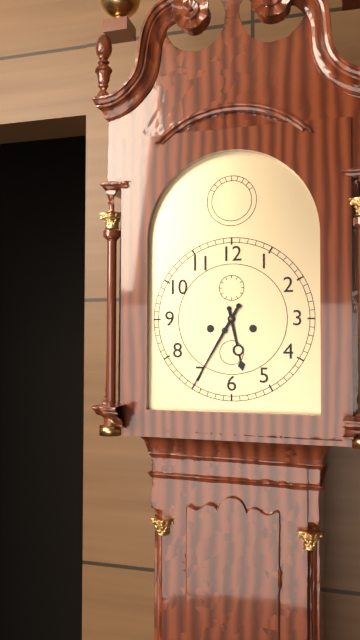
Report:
**5:35**
